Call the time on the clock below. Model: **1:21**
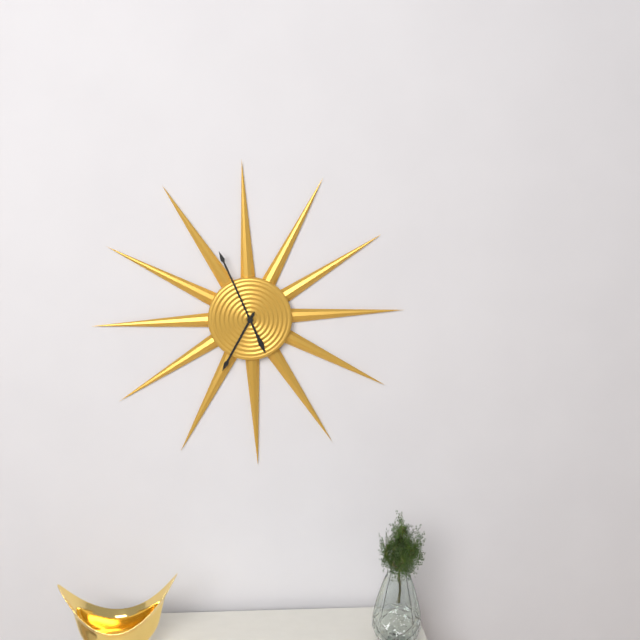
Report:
**6:56**
